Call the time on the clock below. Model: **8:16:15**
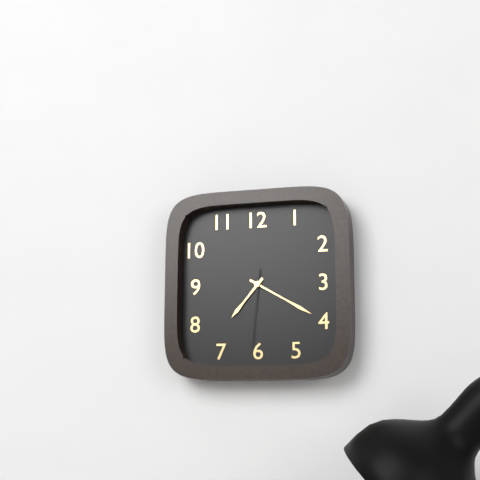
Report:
**7:20:31**
